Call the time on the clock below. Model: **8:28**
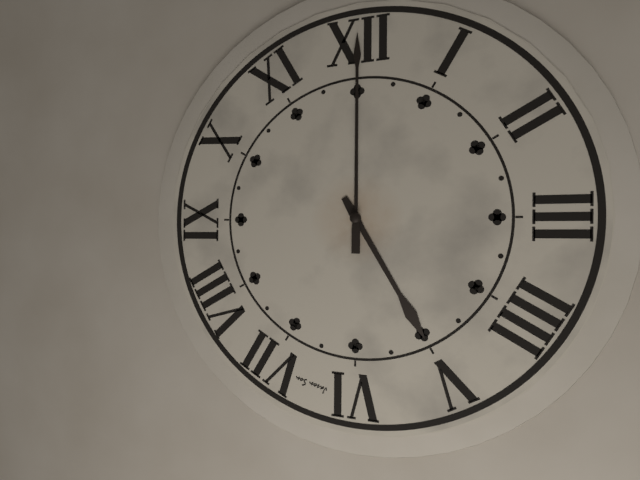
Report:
**5:00**
